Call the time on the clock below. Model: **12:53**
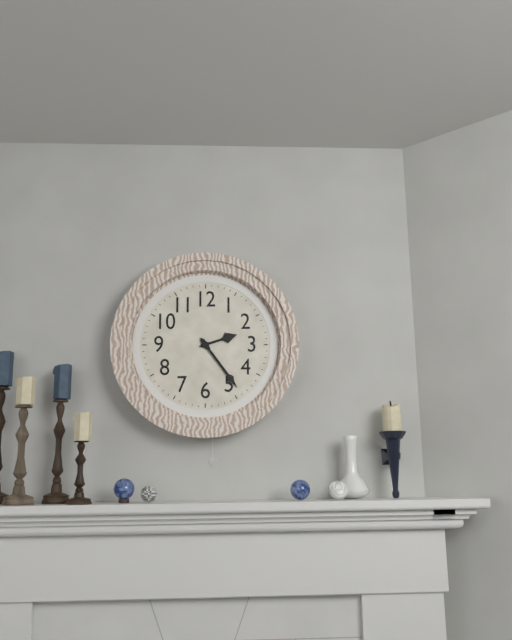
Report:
**2:24**
